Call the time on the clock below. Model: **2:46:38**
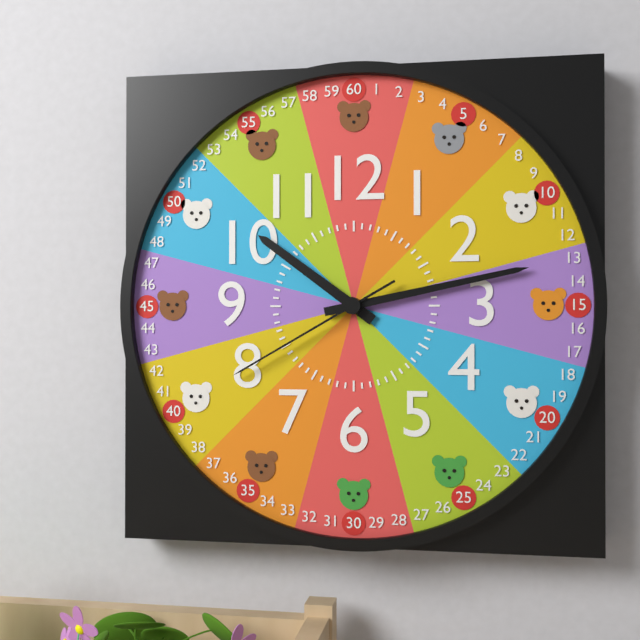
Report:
**10:13:40**
